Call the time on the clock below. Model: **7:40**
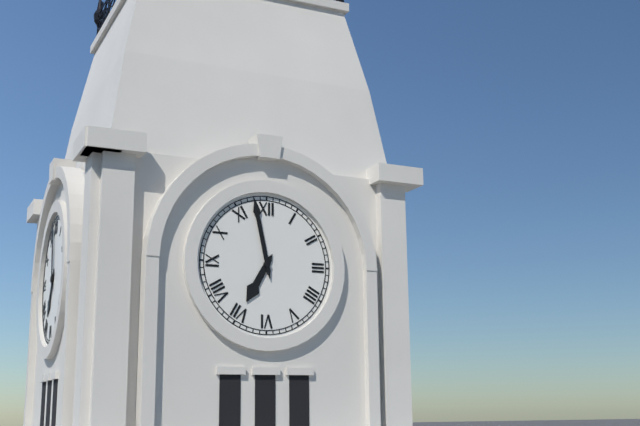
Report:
**6:58**
